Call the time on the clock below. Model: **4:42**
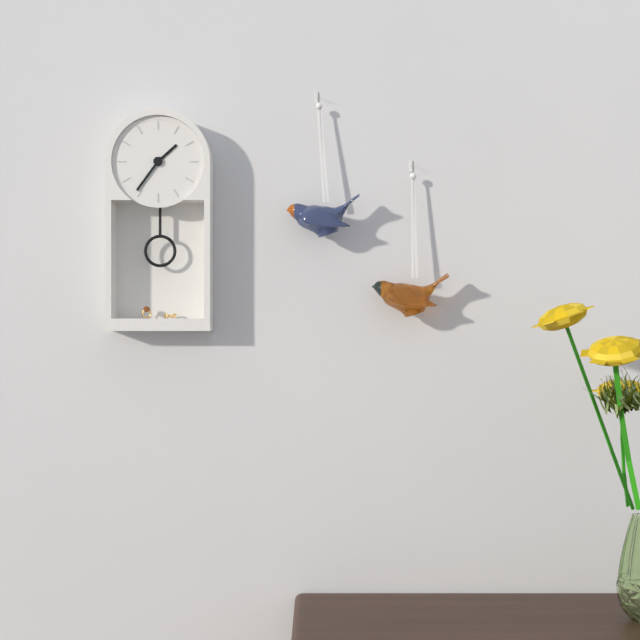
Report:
**1:36**
